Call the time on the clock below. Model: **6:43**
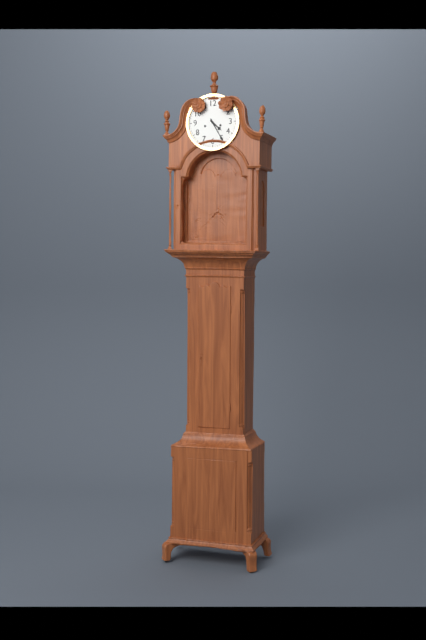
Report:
**4:25**
